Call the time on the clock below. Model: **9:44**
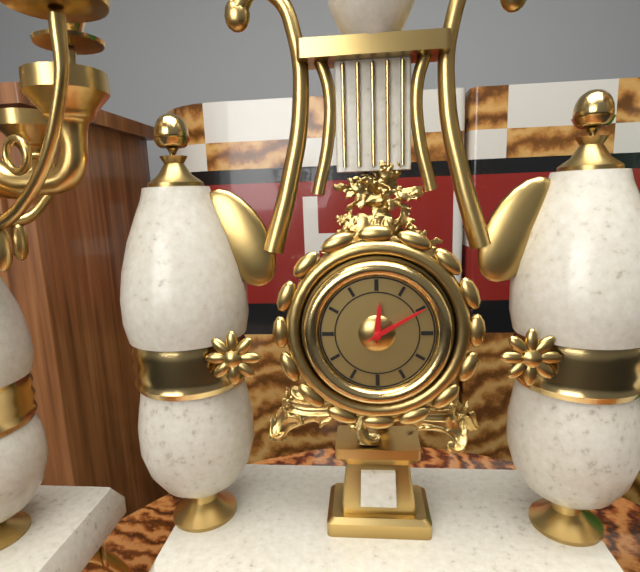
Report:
**12:10**
